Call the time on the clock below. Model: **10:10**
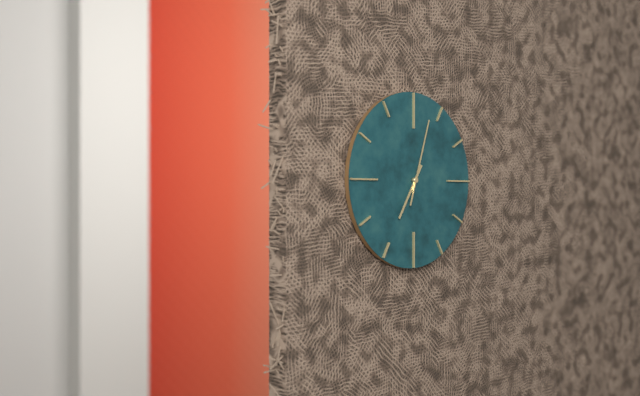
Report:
**7:03**
